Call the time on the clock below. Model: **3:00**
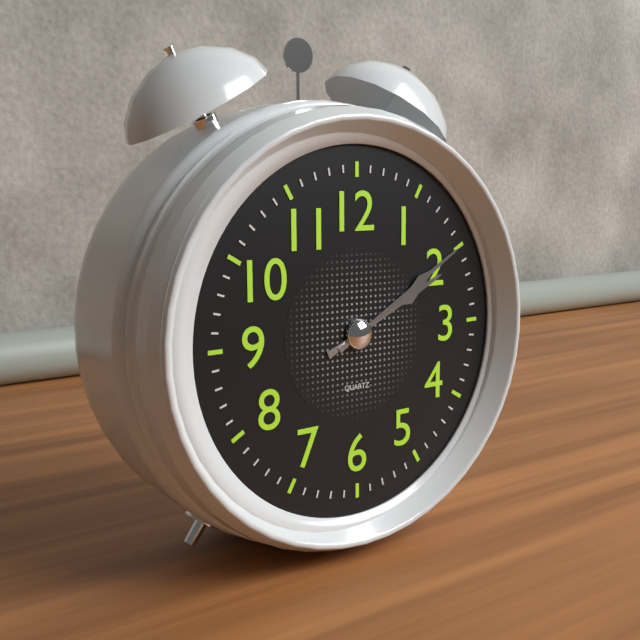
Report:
**2:10**
